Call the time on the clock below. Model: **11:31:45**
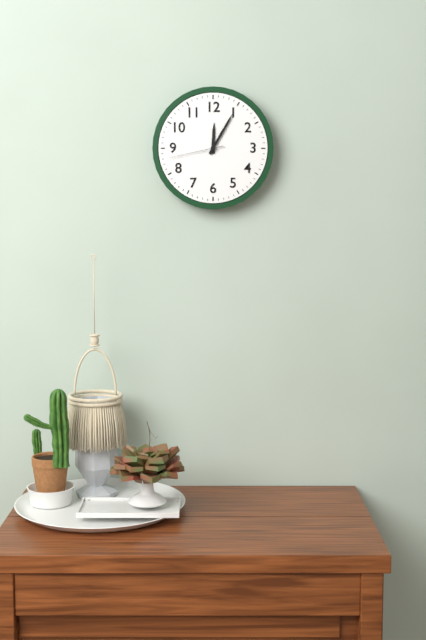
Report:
**12:05:43**
